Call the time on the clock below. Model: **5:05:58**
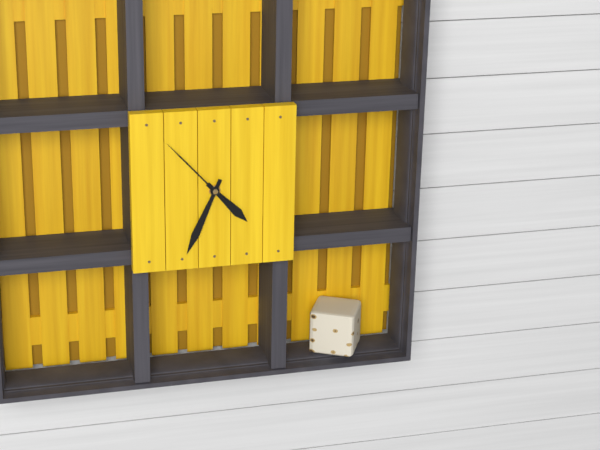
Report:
**4:34:53**
